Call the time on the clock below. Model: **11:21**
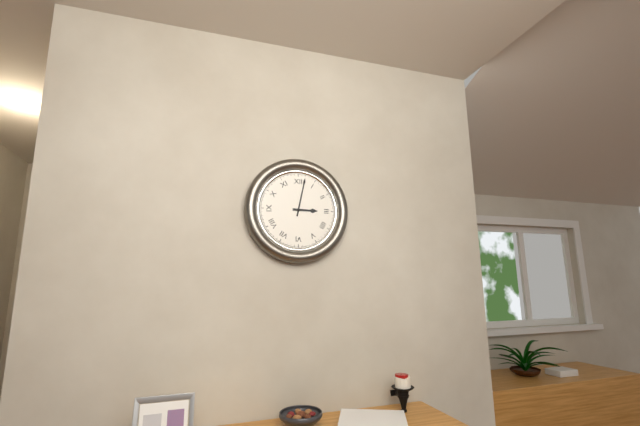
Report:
**3:02**
